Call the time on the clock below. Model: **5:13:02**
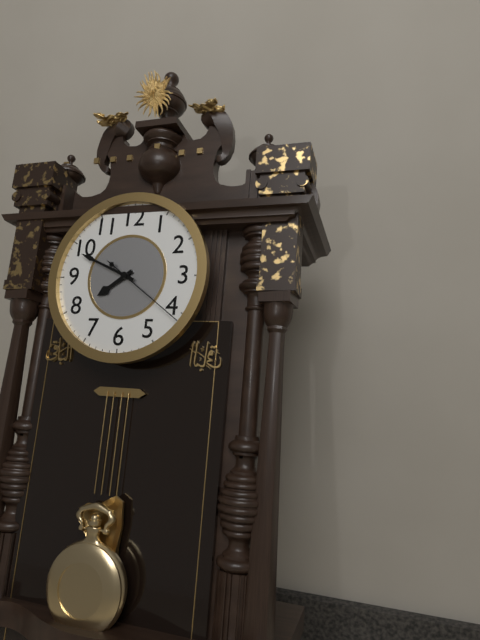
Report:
**7:49:21**
